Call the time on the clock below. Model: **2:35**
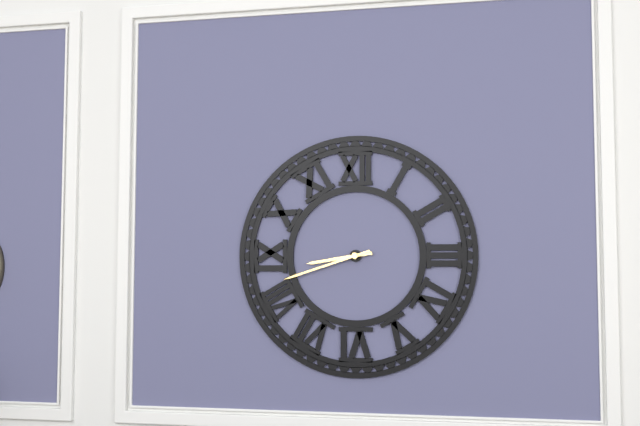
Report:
**8:42**
